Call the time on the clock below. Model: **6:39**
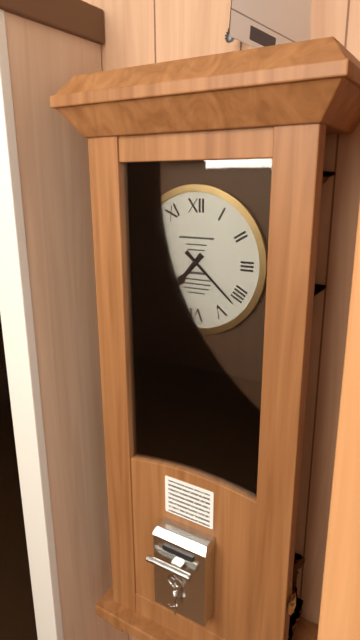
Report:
**7:22**
